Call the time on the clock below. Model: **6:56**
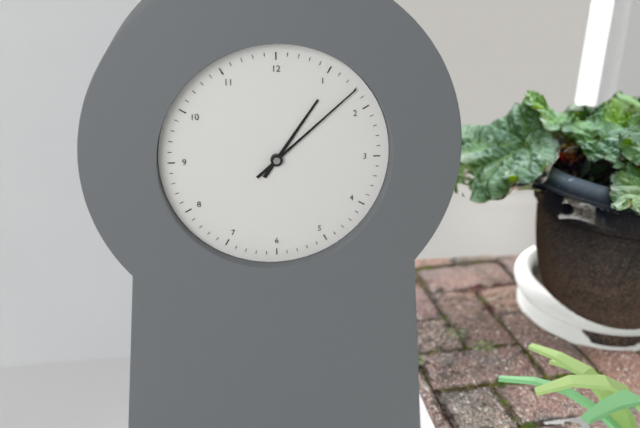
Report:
**1:08**
